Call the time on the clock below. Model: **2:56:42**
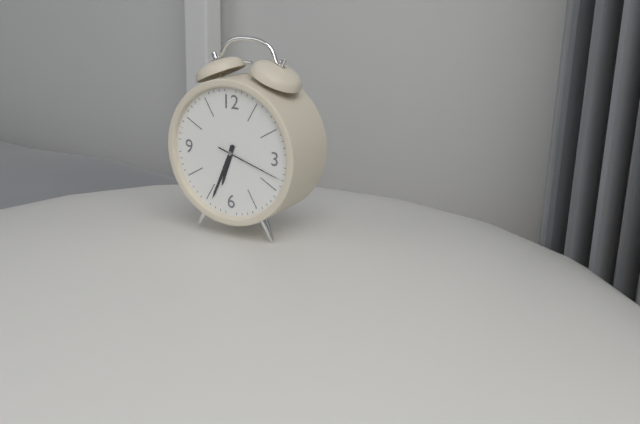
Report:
**6:34:18**
